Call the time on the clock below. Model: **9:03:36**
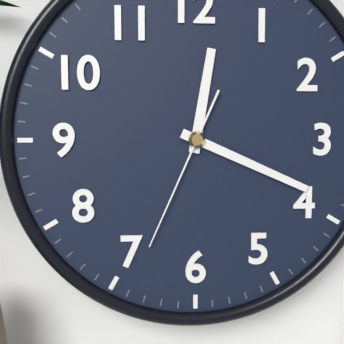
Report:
**12:19:34**
